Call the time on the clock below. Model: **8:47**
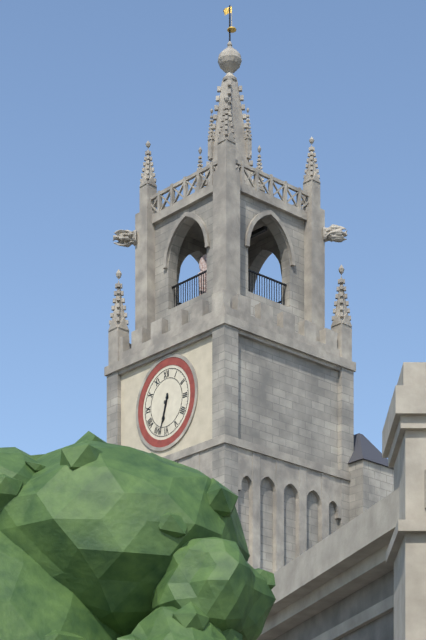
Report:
**6:33**
